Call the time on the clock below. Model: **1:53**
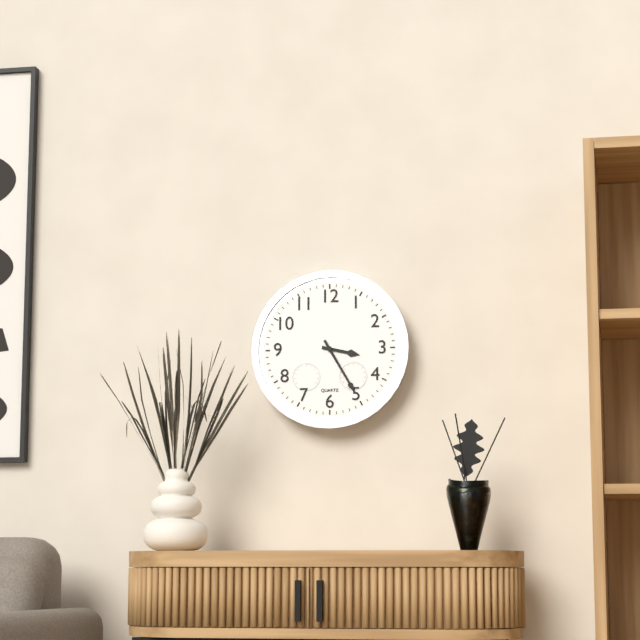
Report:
**3:25**
